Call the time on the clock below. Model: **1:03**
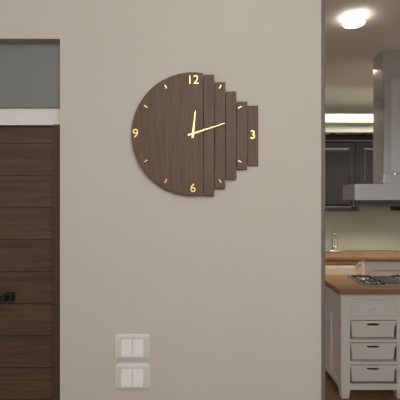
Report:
**12:12**
